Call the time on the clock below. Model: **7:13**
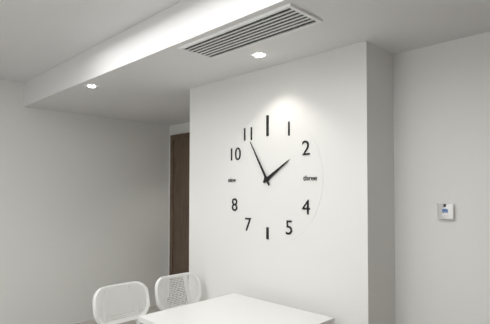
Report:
**1:55**
